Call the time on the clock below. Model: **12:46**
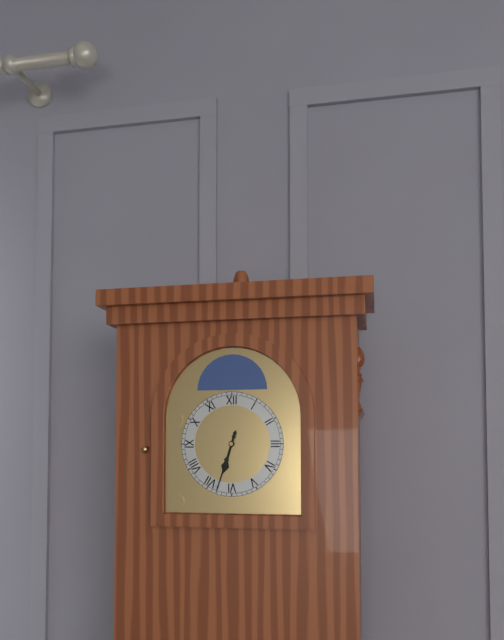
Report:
**6:33**
